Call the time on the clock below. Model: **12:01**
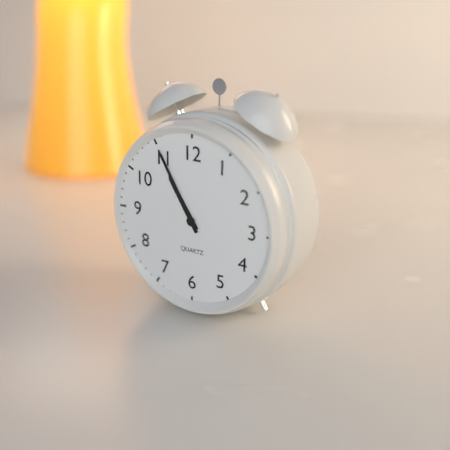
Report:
**10:55**
